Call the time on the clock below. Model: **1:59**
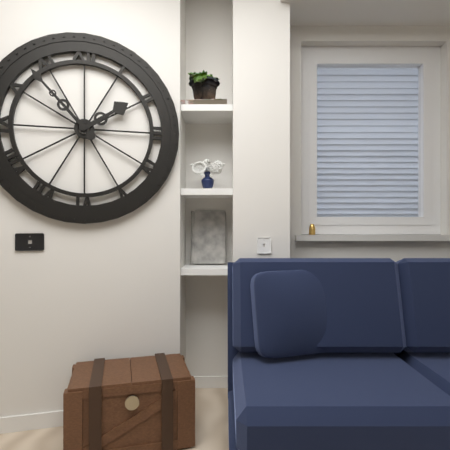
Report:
**1:53**
